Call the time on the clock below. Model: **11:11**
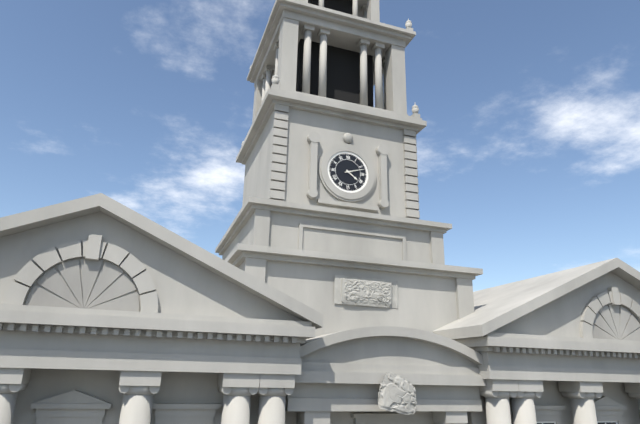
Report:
**4:12**
